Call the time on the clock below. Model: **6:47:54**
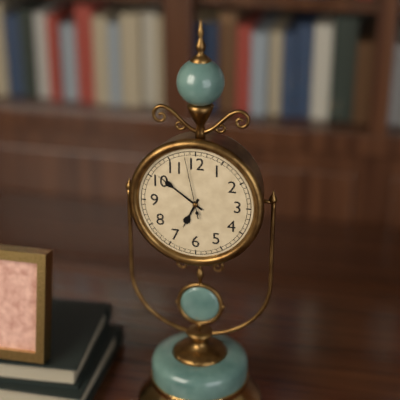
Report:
**6:51:58**
